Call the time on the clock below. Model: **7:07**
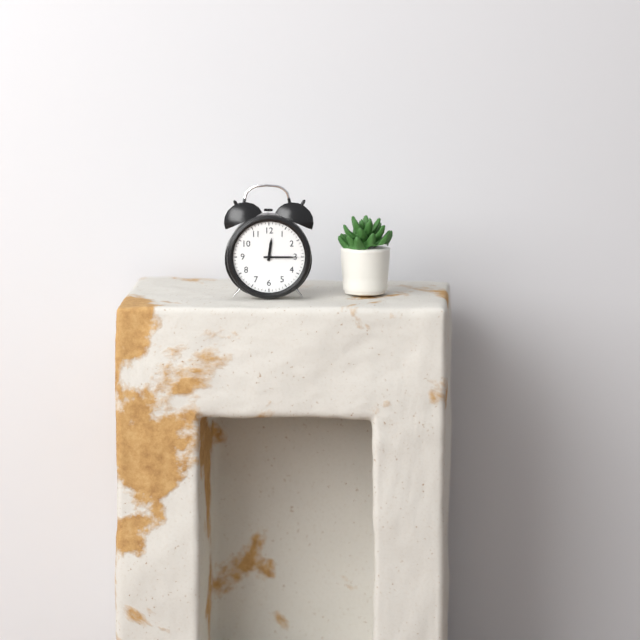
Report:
**12:15**
